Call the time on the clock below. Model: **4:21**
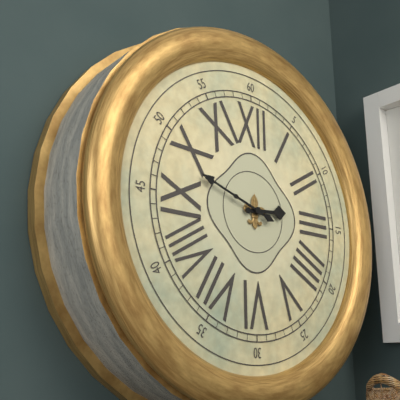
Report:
**2:48**
